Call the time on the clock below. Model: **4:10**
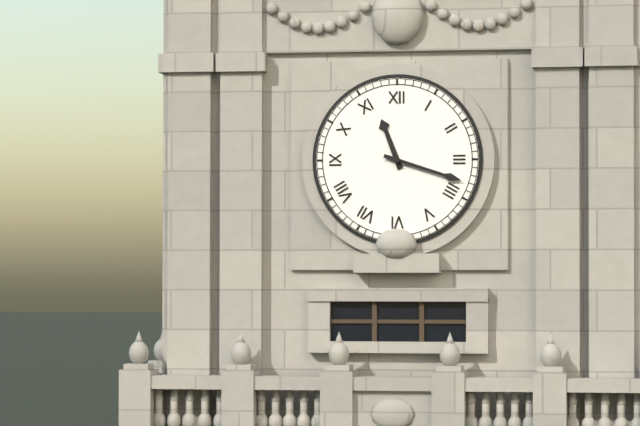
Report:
**11:18**
